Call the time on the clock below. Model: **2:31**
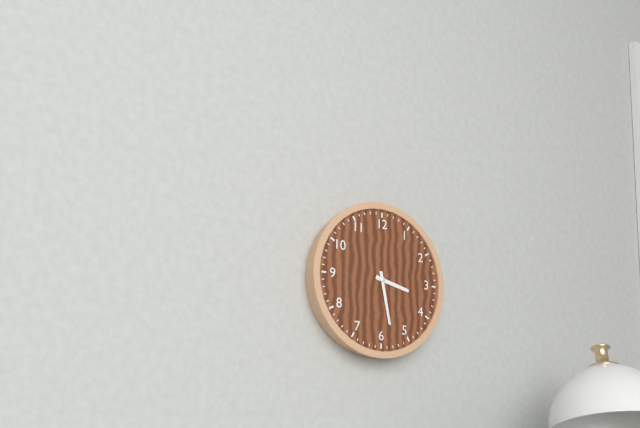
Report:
**3:28**
